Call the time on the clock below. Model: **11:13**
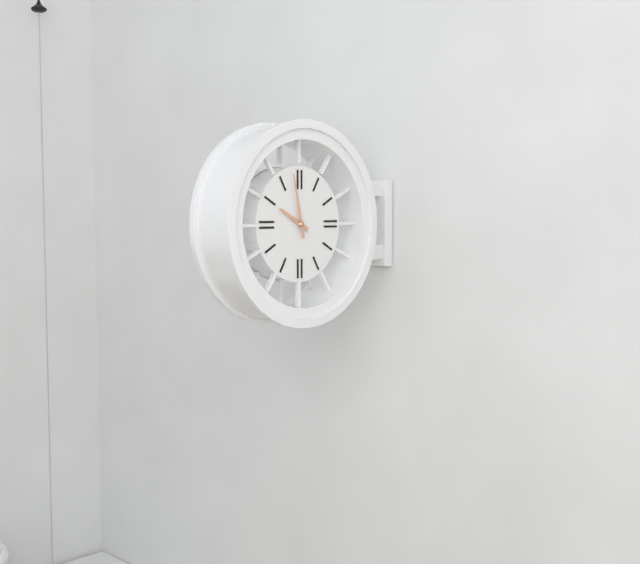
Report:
**9:58**
